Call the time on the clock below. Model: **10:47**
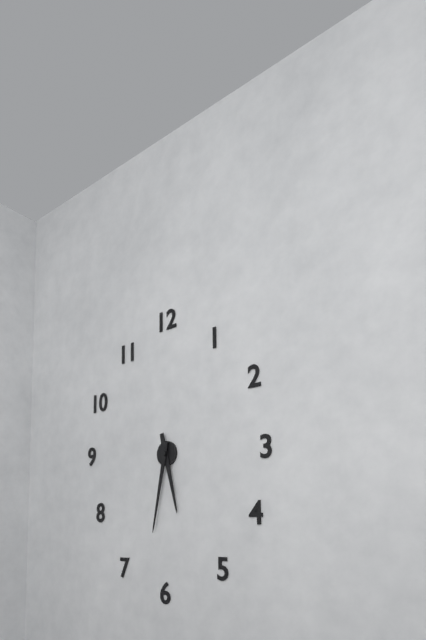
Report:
**5:32**
